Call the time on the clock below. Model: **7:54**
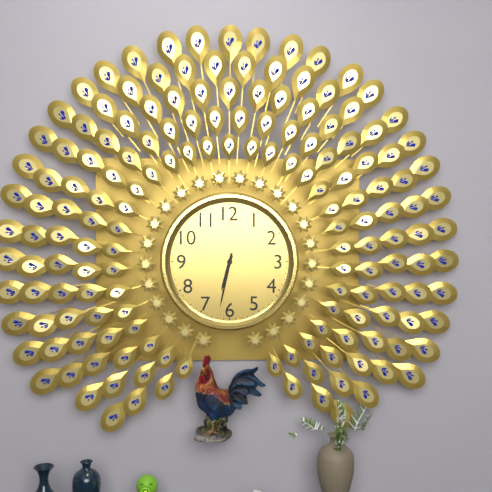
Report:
**6:32**
